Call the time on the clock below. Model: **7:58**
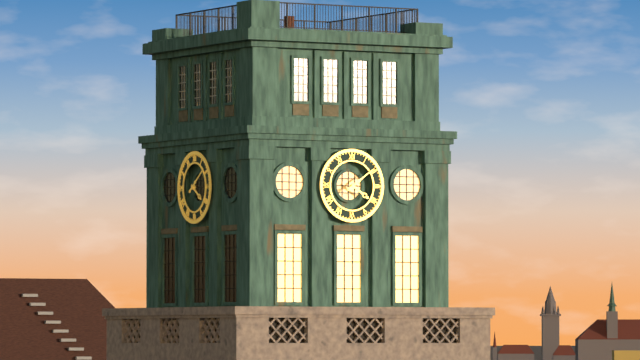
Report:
**4:09**
